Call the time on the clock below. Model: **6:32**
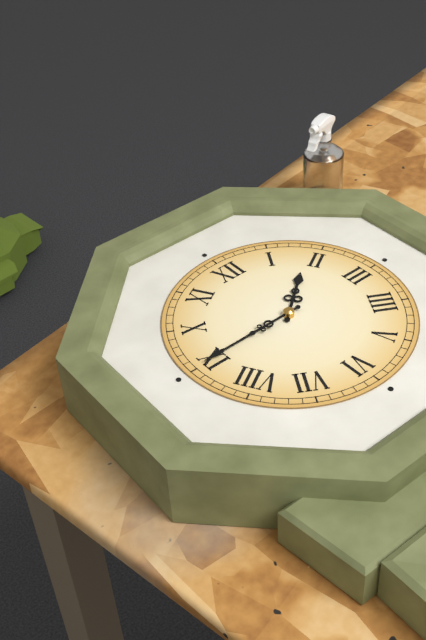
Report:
**1:45**
